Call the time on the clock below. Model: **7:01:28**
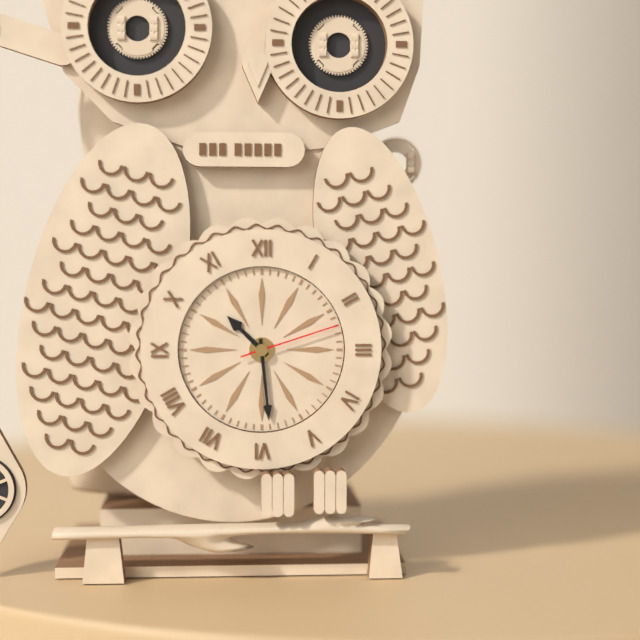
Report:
**10:29:12**
